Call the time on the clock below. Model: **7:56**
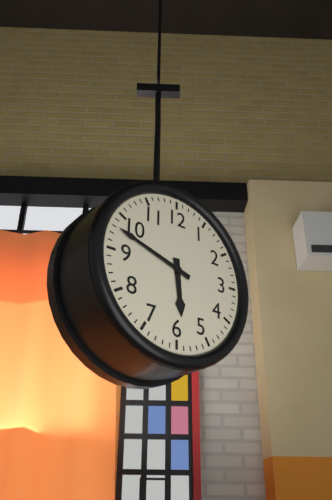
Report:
**5:48**
